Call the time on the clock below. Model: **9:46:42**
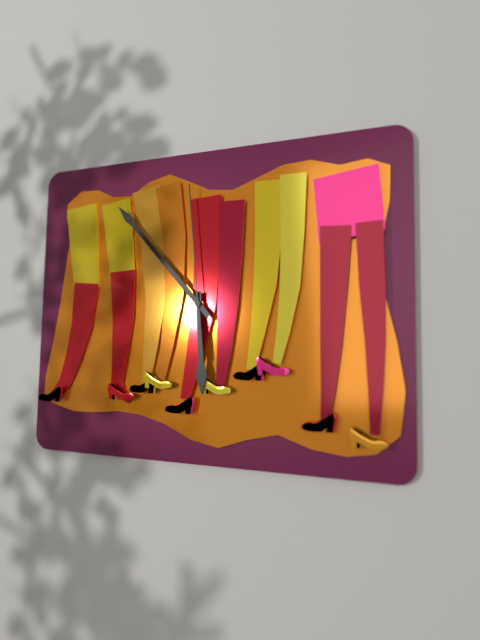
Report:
**5:53:59**
